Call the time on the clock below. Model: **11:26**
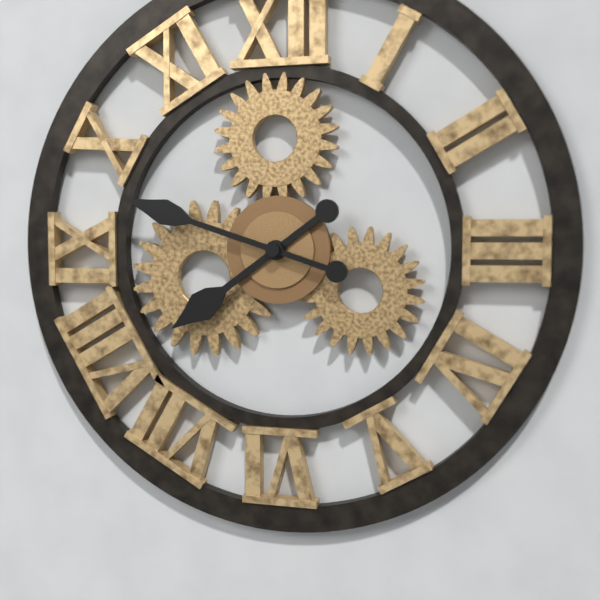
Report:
**7:48**
